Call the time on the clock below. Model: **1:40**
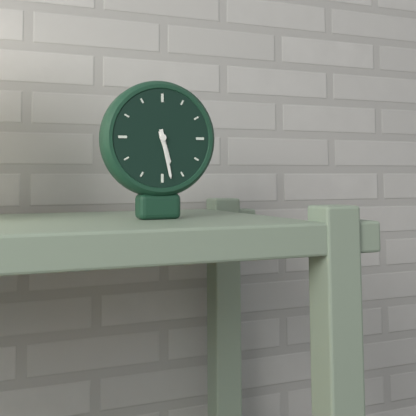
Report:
**5:28**
